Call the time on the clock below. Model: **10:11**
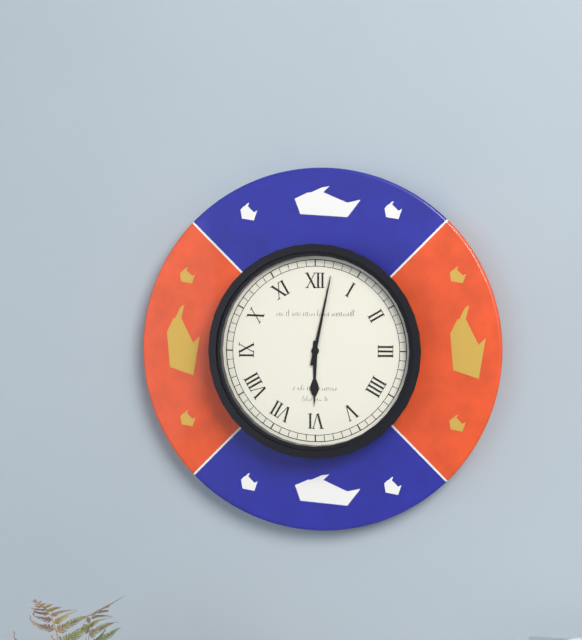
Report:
**6:02**
